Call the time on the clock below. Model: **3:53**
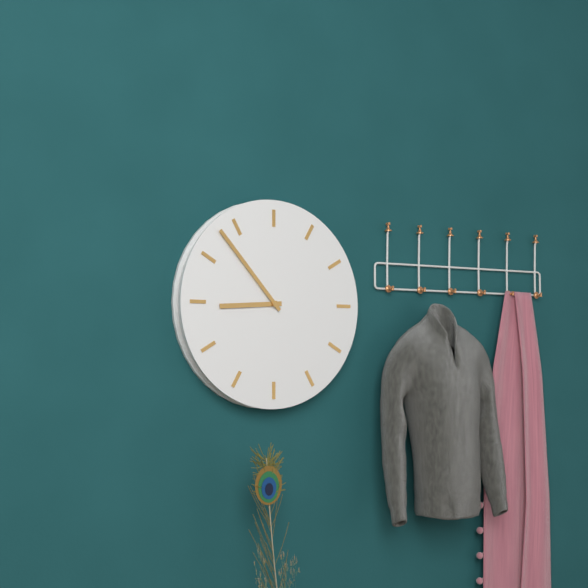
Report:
**8:53**
